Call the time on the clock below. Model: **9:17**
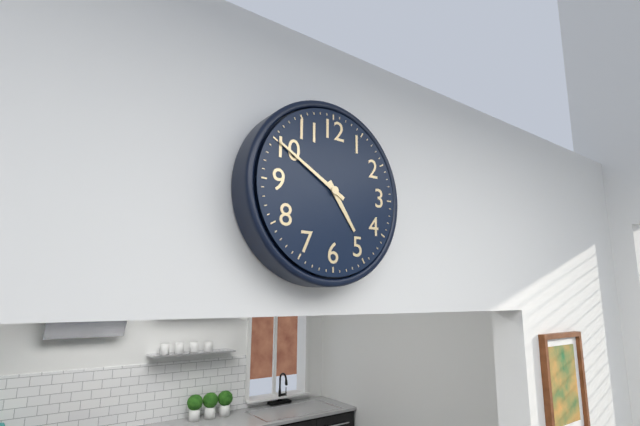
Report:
**4:50**
